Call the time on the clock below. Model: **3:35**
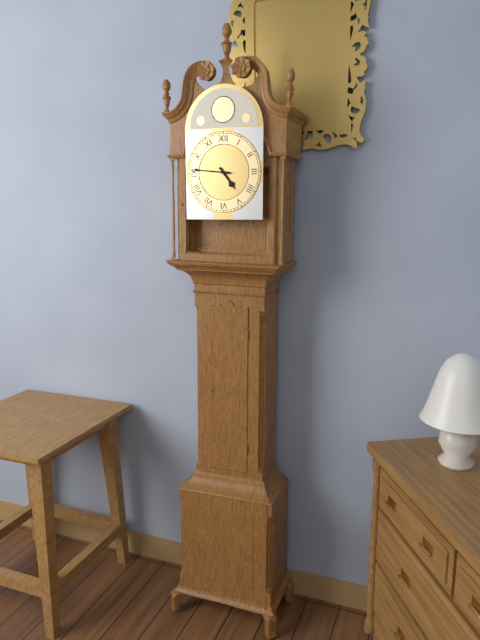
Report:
**4:46**
